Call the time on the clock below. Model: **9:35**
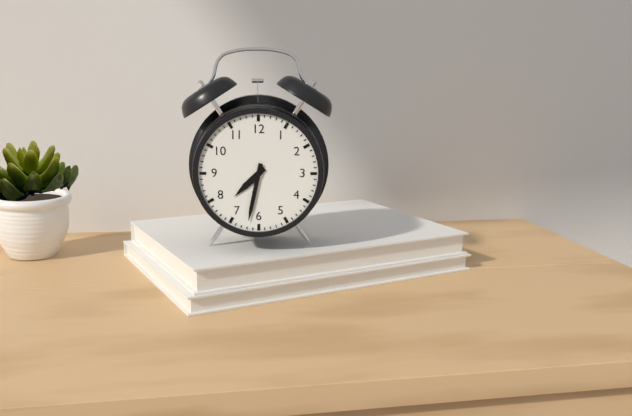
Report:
**7:32**
